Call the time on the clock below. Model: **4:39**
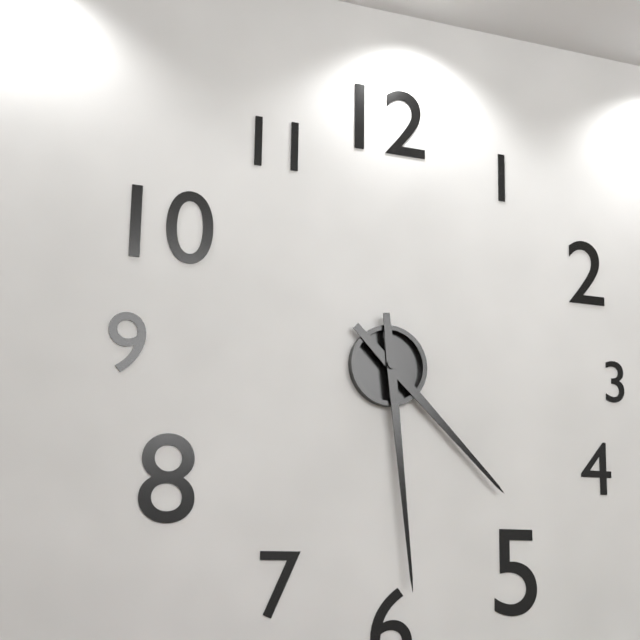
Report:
**4:29**
